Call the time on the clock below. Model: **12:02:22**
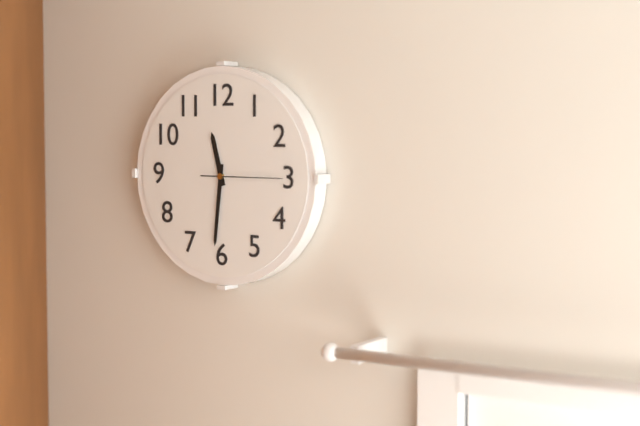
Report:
**11:31:15**
